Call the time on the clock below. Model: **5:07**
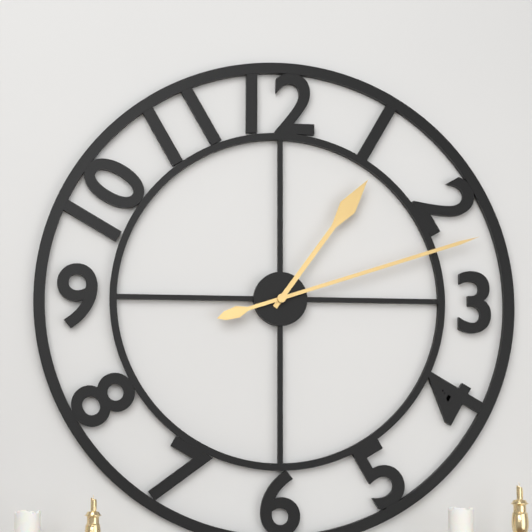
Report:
**1:12**
